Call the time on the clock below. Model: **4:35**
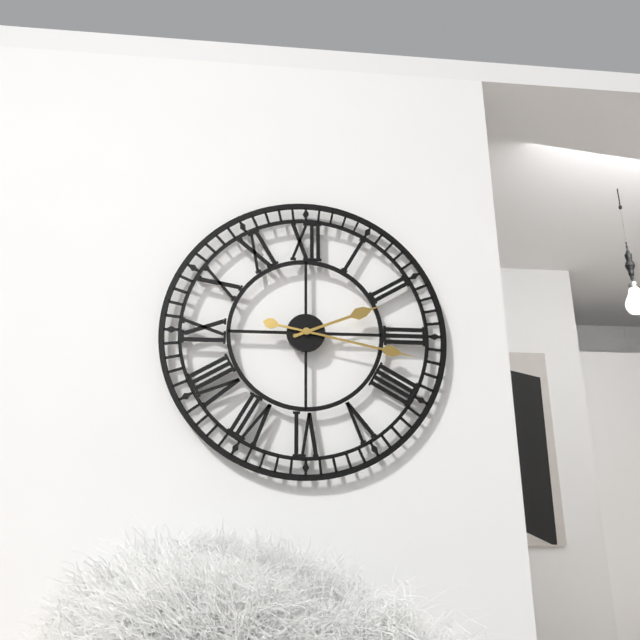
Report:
**2:17**
